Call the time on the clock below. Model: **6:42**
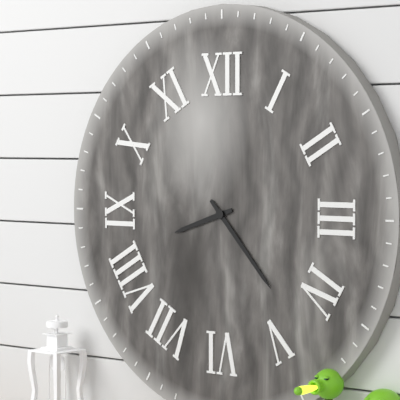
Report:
**8:23**
